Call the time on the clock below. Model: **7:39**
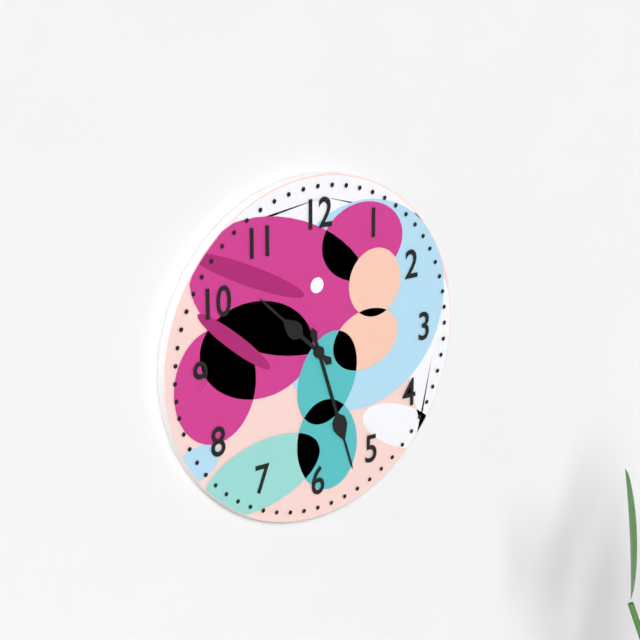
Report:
**10:27**
